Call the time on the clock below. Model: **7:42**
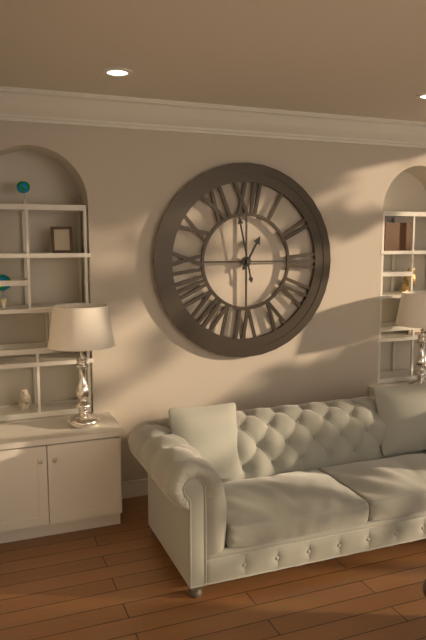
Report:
**12:58**
